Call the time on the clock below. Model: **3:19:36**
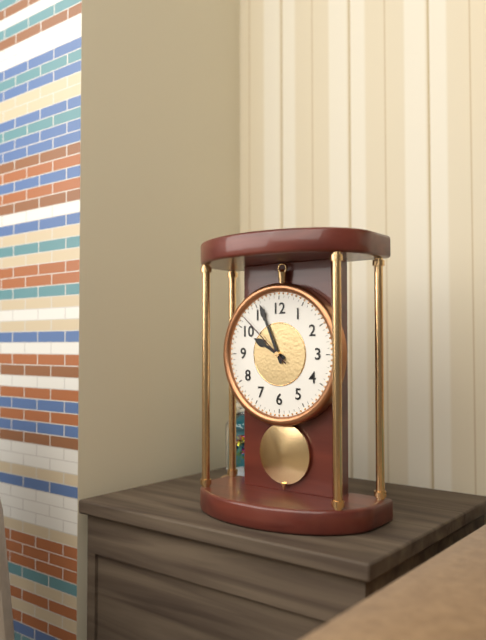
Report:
**9:56:52**
